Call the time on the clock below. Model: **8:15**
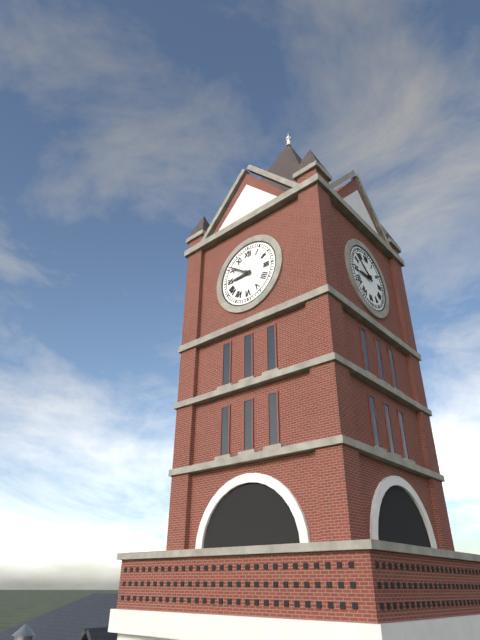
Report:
**8:51**
